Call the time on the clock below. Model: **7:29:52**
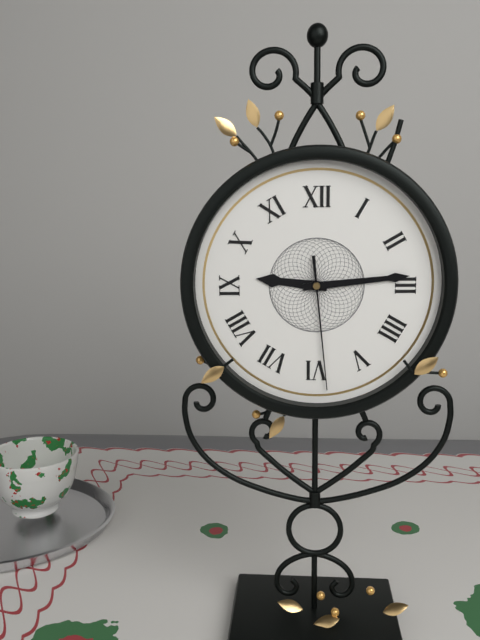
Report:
**9:14:29**
